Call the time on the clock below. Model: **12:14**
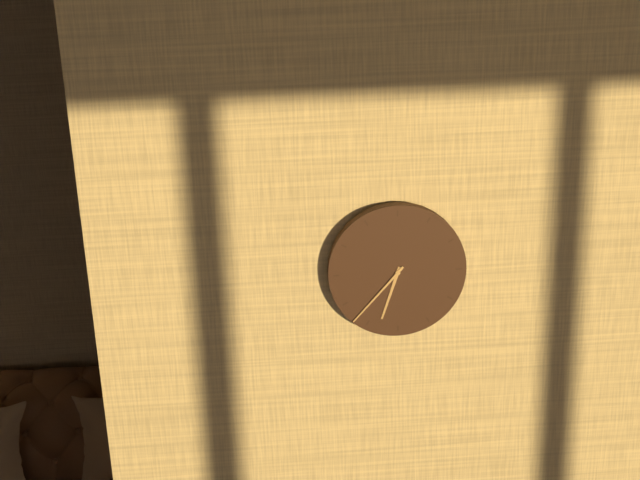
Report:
**6:37**
